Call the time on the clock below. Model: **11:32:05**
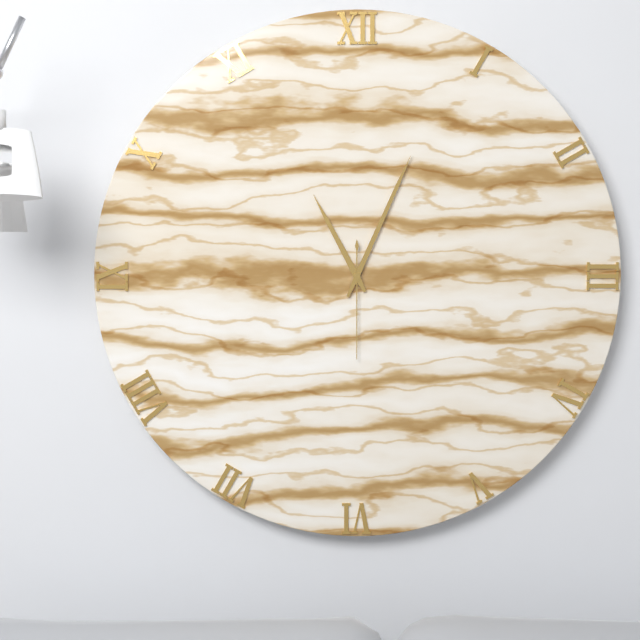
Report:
**11:04:30**
